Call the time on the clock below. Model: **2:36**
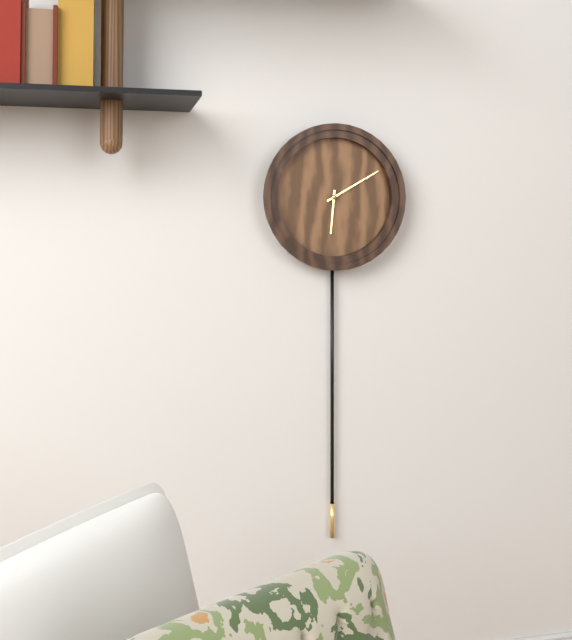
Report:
**6:10**
